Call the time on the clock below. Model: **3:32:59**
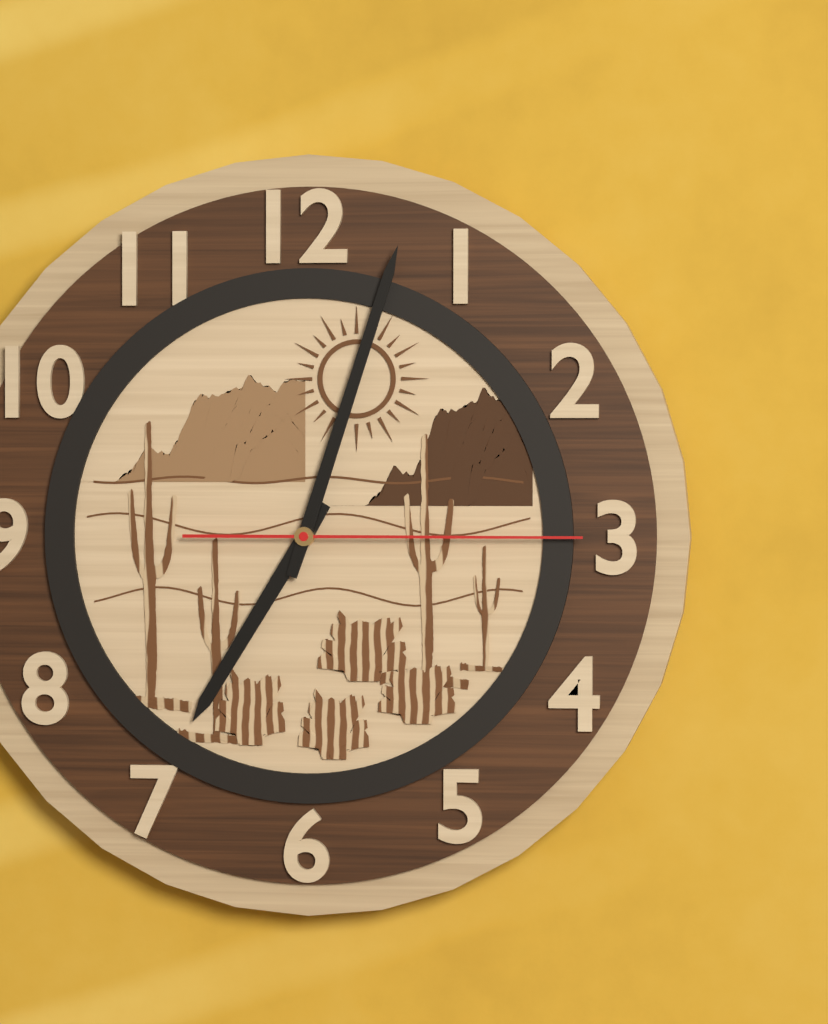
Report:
**7:03:15**
